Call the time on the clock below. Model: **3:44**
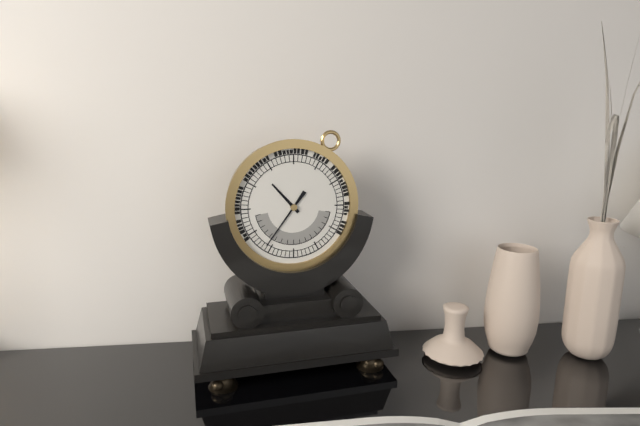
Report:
**10:36**
